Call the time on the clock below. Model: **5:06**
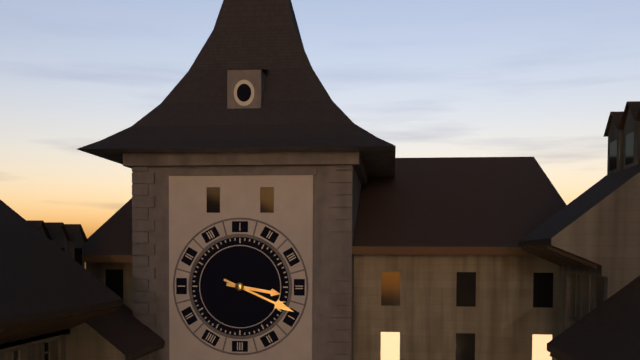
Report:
**3:19**
